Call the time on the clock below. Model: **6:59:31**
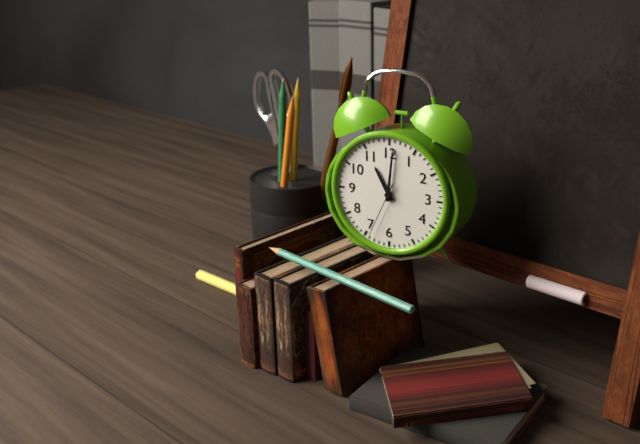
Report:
**11:01:34**
